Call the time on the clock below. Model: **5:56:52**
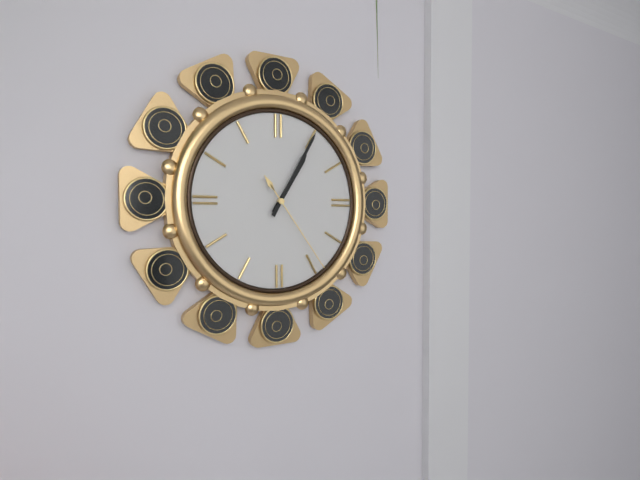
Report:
**1:05:24**
